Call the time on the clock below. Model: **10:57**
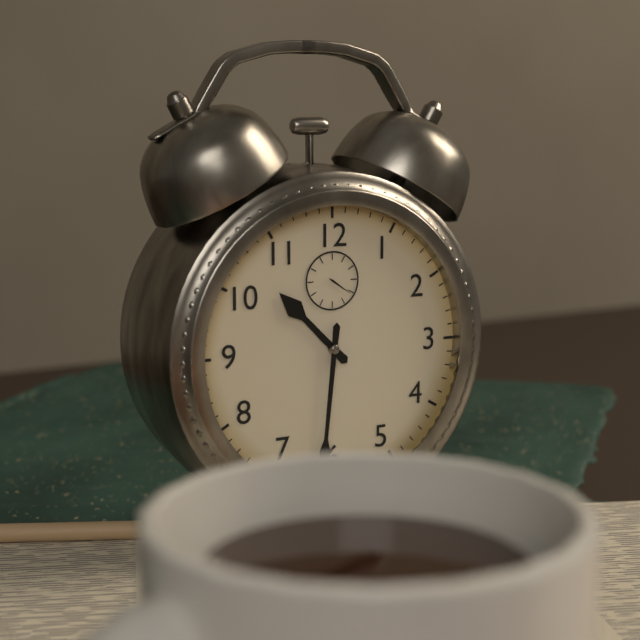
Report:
**10:31**
